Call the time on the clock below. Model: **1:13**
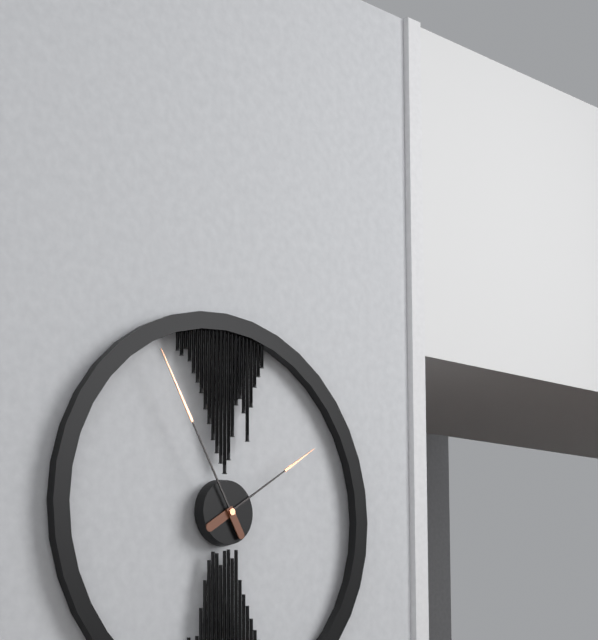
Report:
**1:55**
